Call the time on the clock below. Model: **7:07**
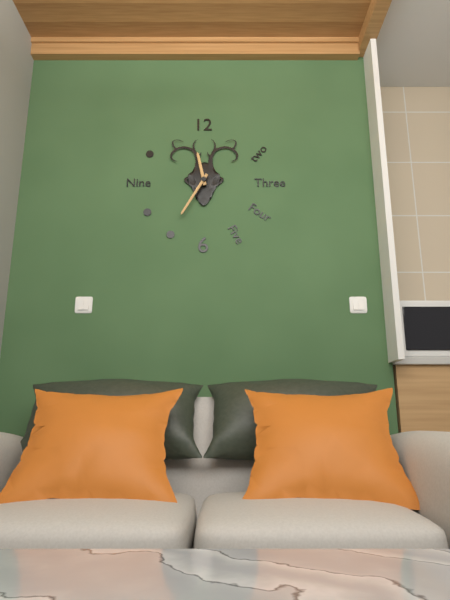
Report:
**11:35**
